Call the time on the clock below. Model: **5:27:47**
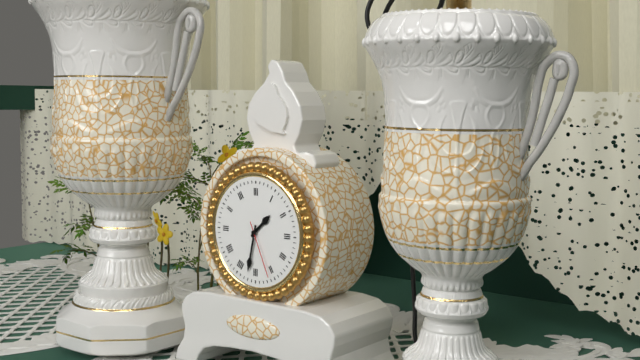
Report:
**1:32:26**
